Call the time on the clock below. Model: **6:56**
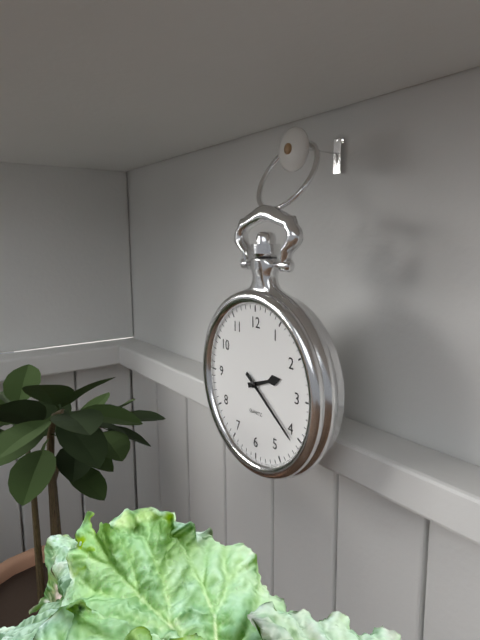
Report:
**2:21**
